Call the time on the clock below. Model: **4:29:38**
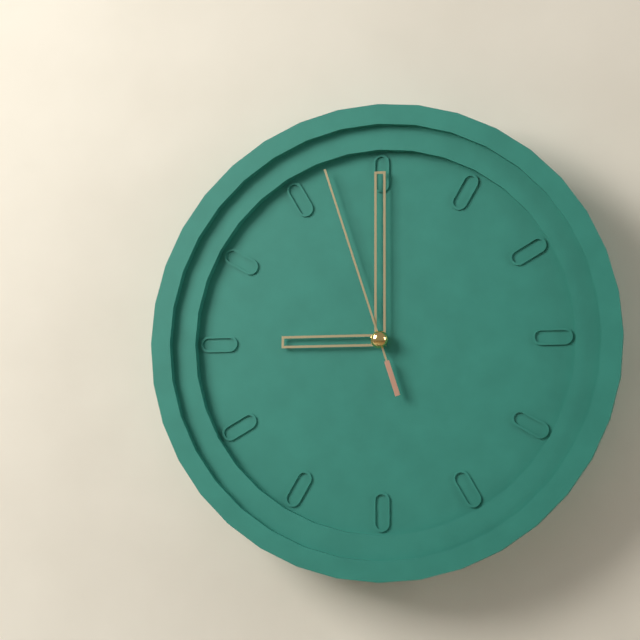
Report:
**9:00:57**
